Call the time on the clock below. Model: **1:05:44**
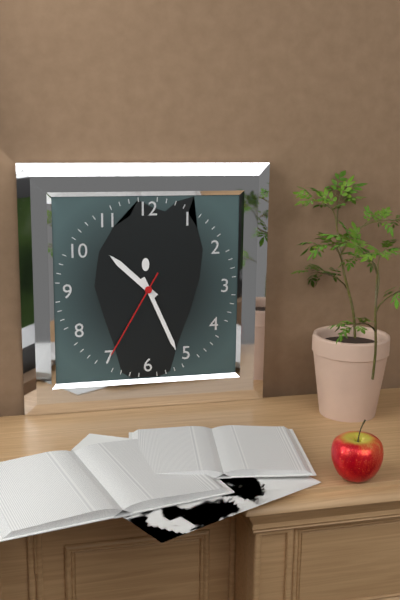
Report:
**10:26:35**
